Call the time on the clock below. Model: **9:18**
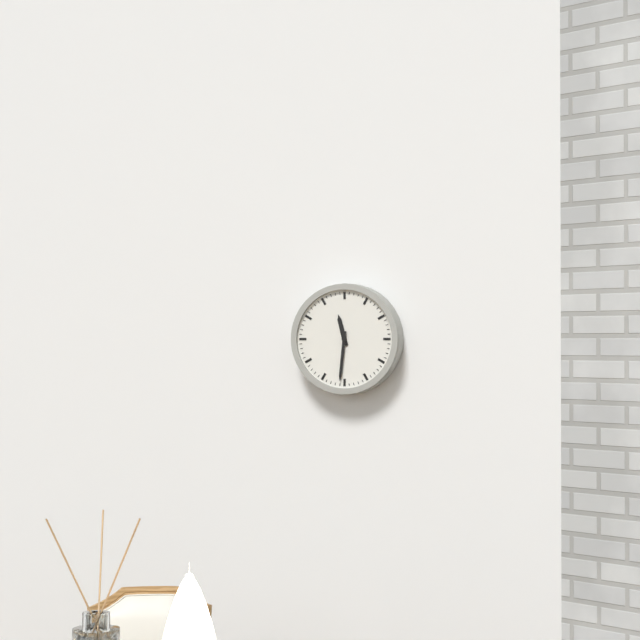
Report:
**11:31**
